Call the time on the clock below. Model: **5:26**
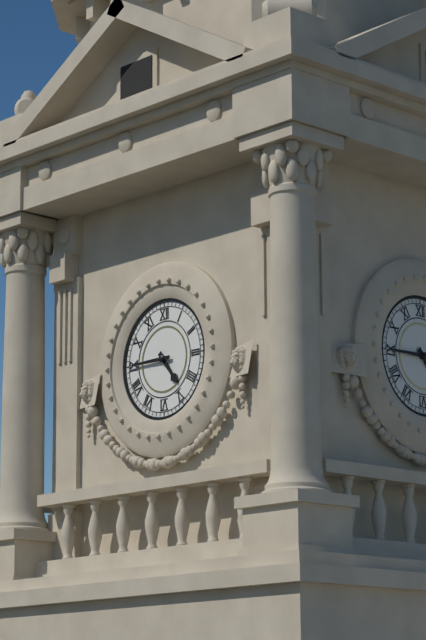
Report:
**4:45**
